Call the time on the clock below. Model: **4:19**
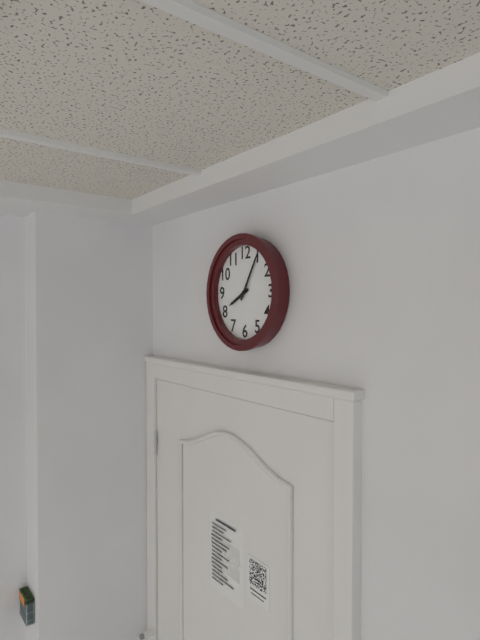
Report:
**8:05**
